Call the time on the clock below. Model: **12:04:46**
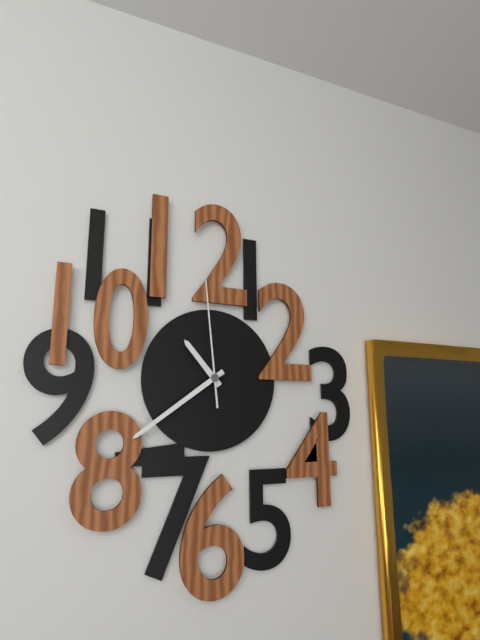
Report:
**10:39:59**
